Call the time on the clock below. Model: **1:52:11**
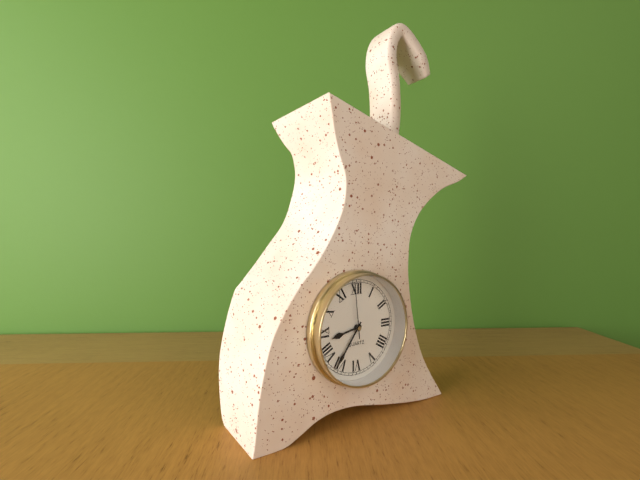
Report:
**8:36:59**
